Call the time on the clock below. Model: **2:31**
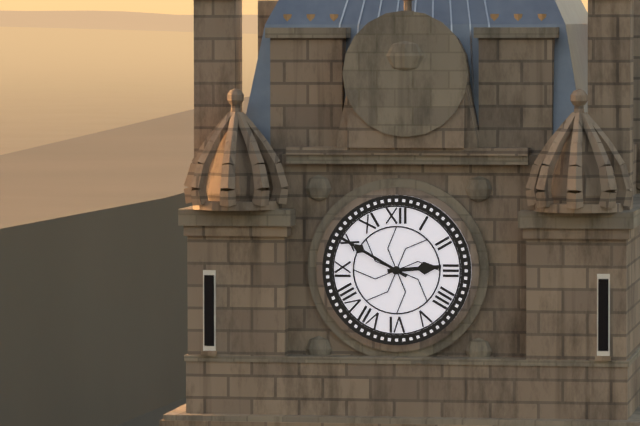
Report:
**2:50**
